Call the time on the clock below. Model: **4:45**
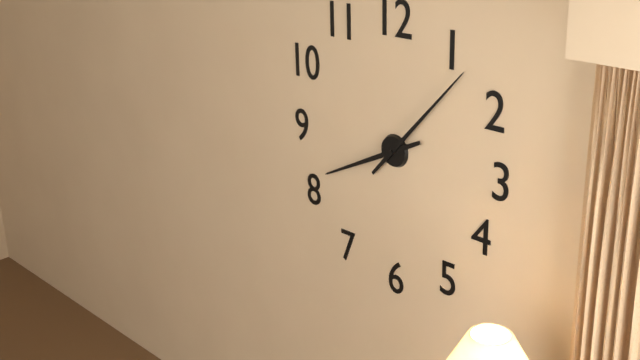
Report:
**8:07**
